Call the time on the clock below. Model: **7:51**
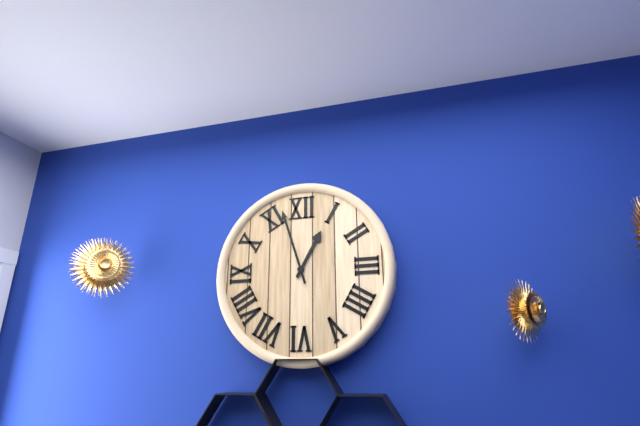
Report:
**12:57**
